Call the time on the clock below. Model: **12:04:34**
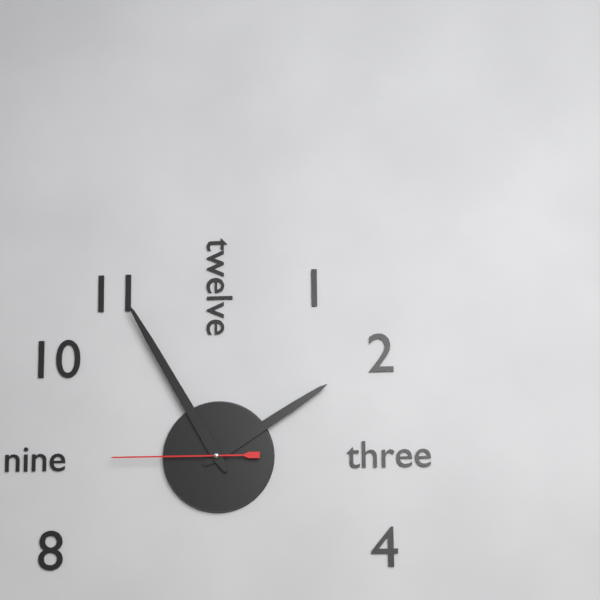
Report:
**1:55:45**
